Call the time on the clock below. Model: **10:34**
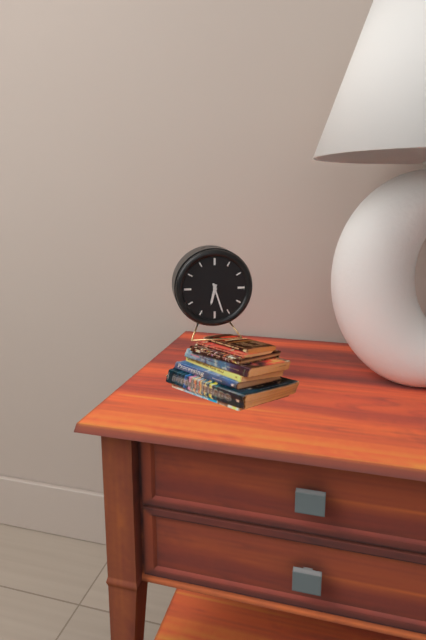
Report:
**6:27**
